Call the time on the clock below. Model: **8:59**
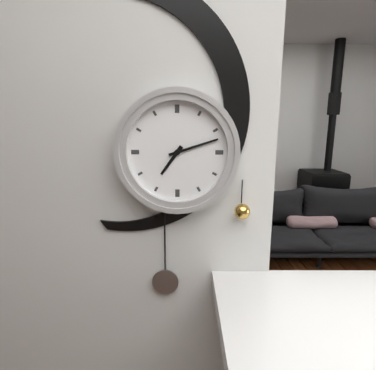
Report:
**7:12**
